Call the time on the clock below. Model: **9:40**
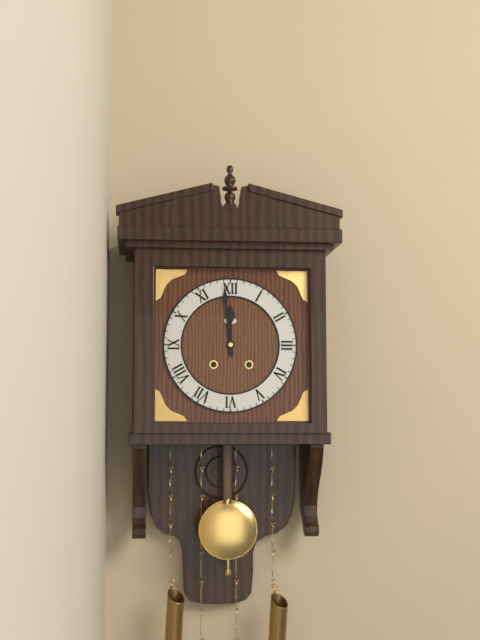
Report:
**11:59**
